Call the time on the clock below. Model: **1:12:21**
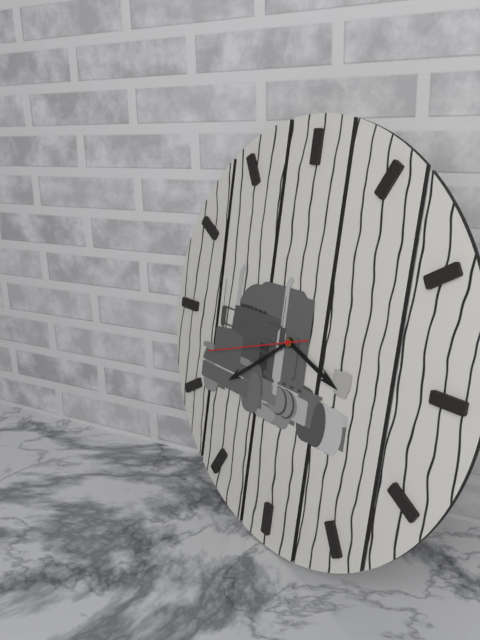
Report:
**3:39:42**
